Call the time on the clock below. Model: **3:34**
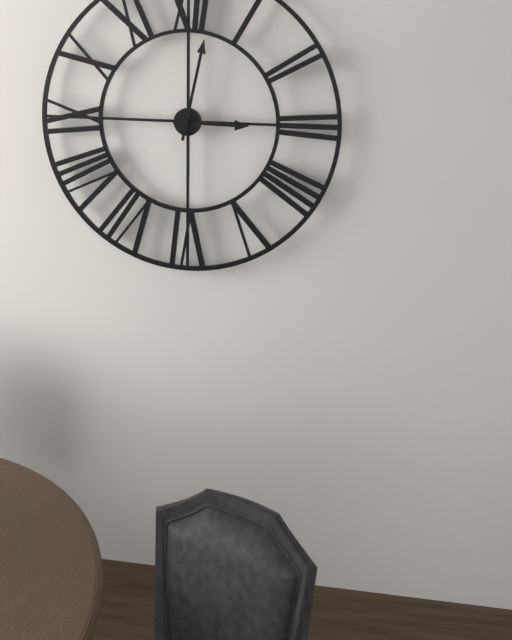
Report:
**3:02**
